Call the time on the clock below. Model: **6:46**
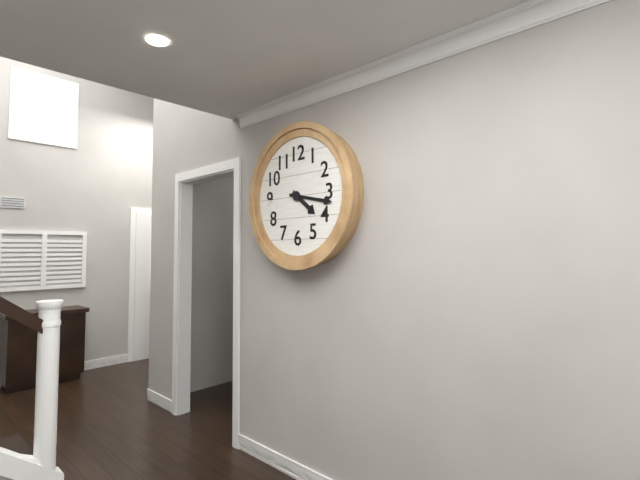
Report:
**4:17**
